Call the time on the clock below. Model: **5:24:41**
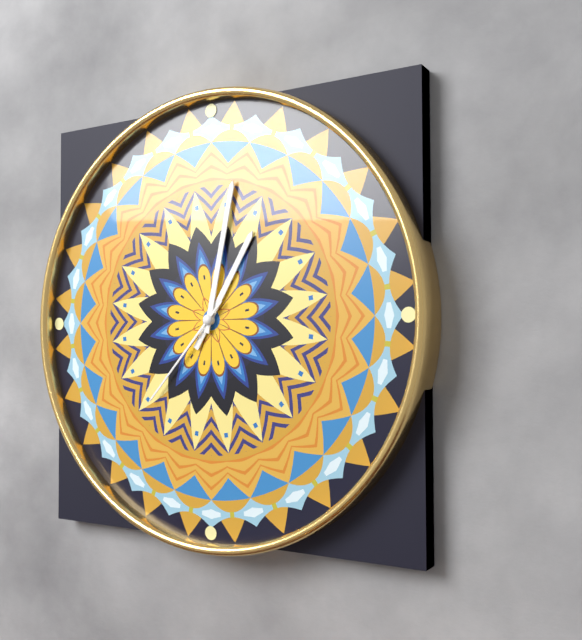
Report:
**1:02:37**
